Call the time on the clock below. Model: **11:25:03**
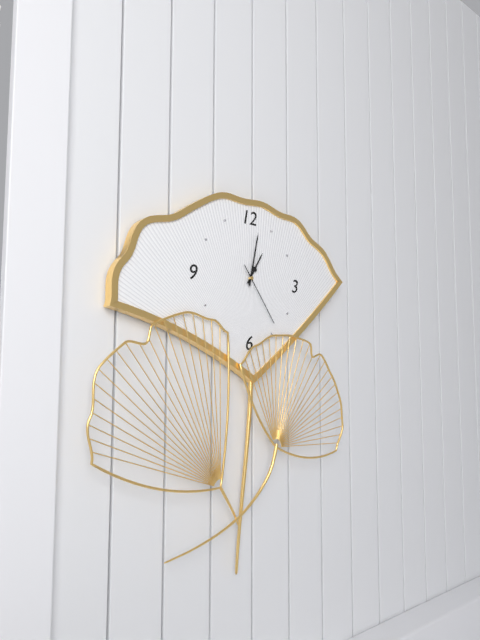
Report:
**1:02:24**
